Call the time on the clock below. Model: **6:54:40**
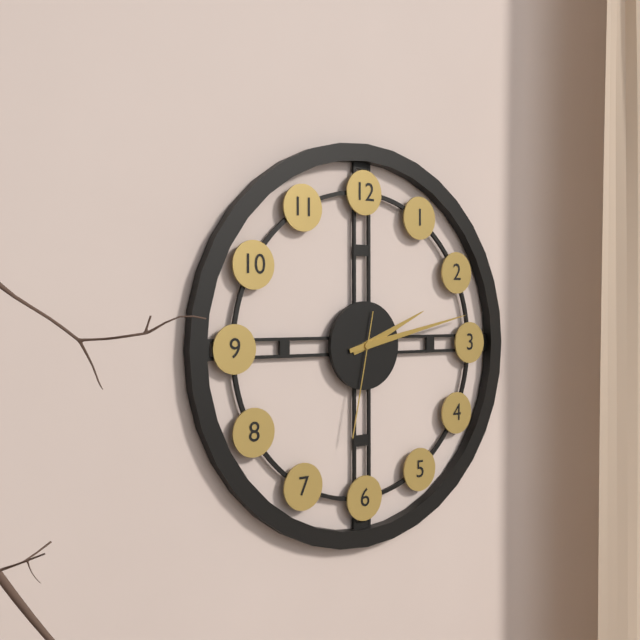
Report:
**2:13:32**
